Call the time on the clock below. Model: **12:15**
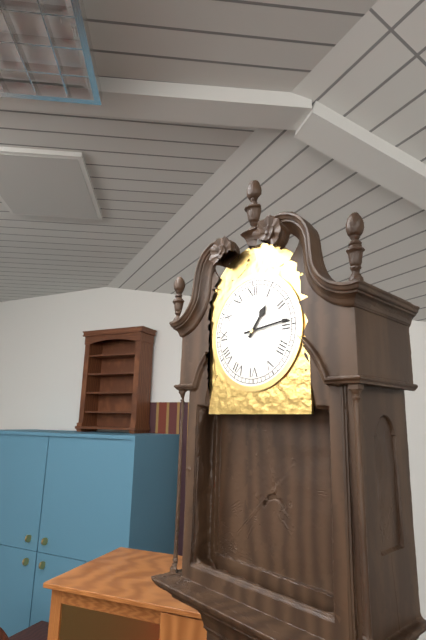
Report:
**1:14**
